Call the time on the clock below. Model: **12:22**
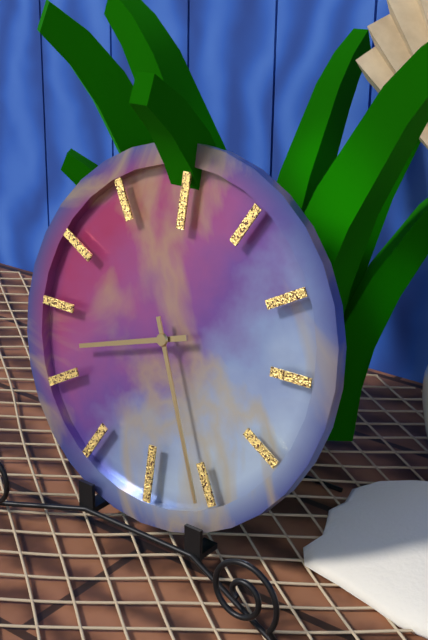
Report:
**8:26**
